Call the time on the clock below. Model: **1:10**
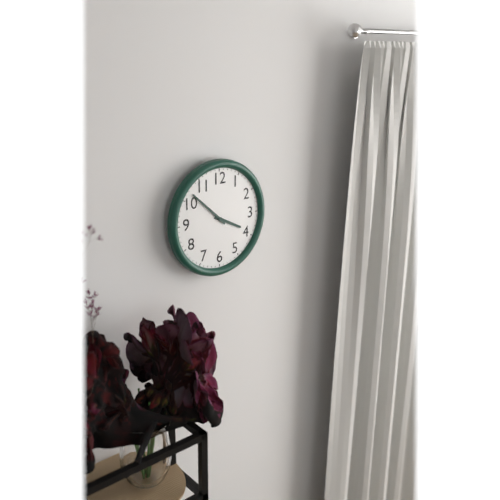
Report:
**3:52**
